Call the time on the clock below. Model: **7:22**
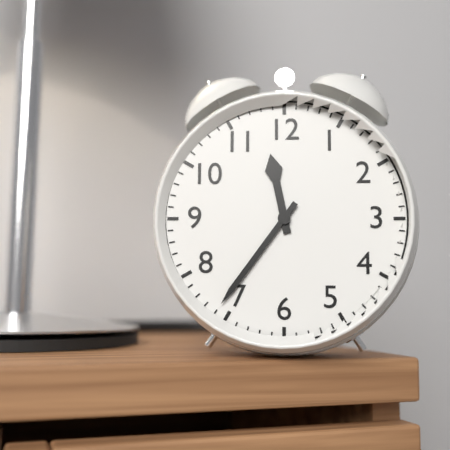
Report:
**11:36**
